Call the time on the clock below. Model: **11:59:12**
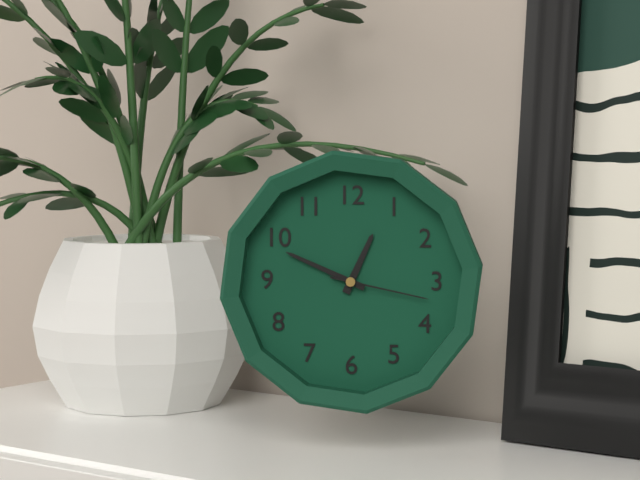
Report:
**12:49:17**
